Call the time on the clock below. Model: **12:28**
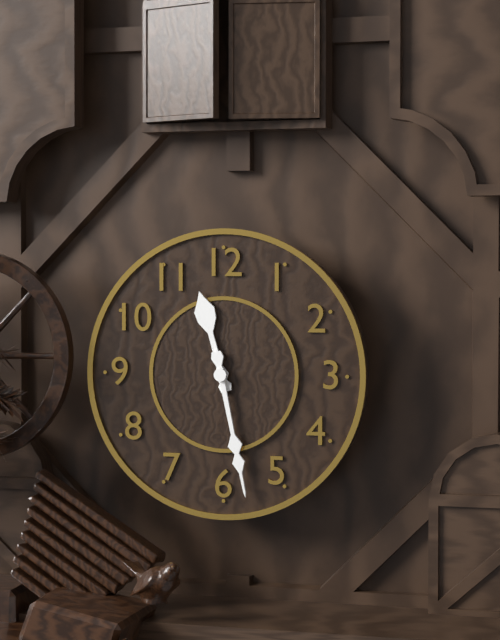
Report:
**11:28**
